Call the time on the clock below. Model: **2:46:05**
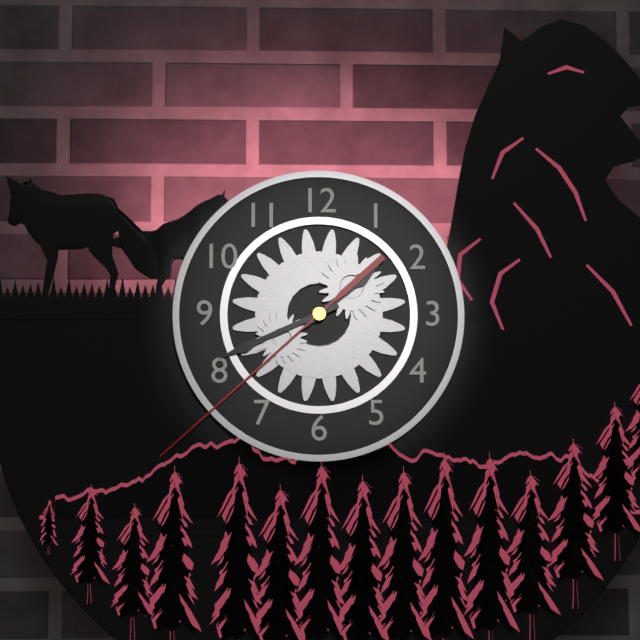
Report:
**1:41:38**
